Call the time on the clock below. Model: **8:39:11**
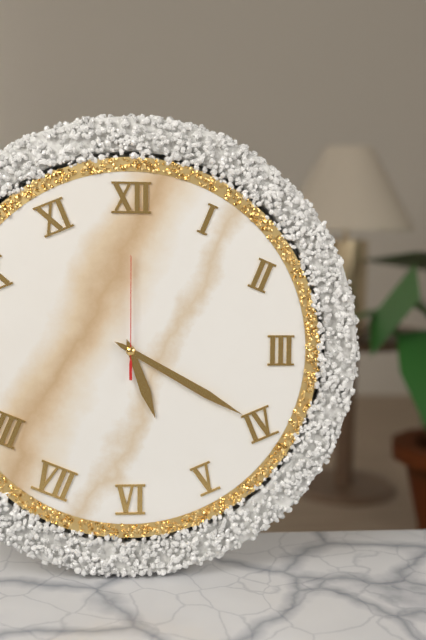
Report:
**5:20:00**
